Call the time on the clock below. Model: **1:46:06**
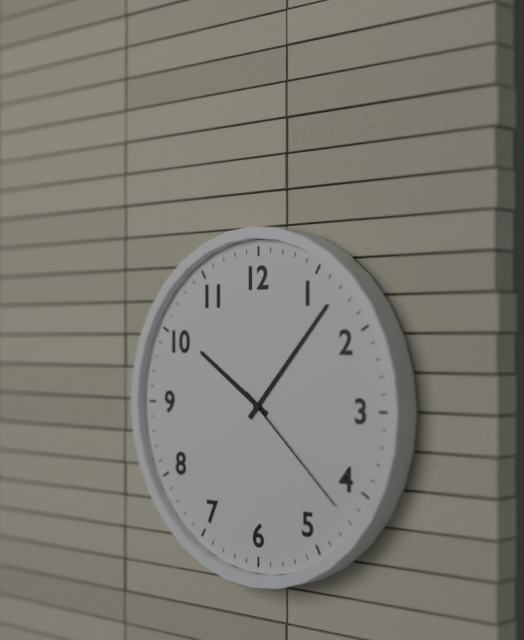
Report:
**10:07:22**
